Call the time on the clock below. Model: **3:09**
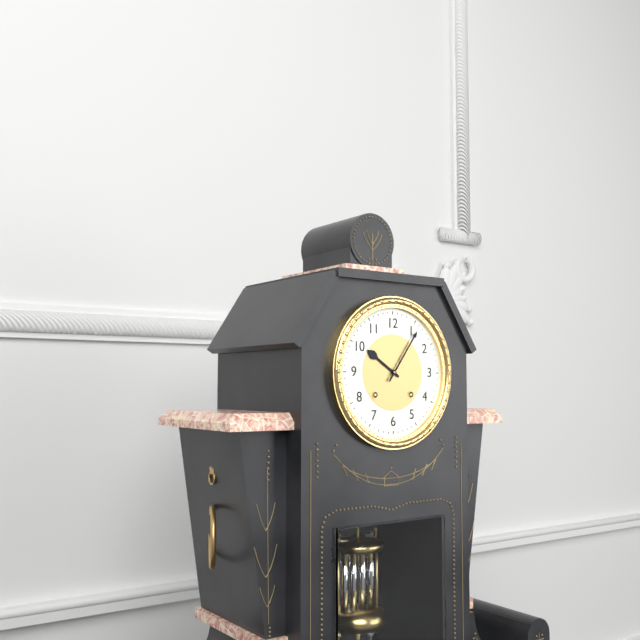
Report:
**10:06**
